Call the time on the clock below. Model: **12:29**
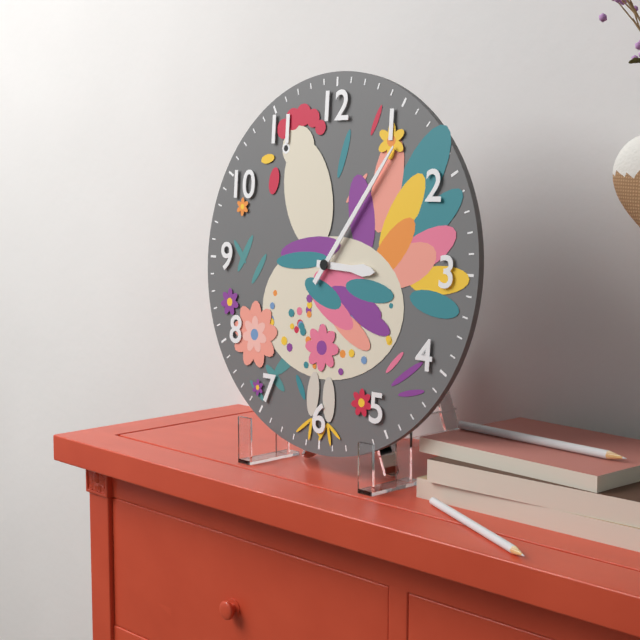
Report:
**3:06**
